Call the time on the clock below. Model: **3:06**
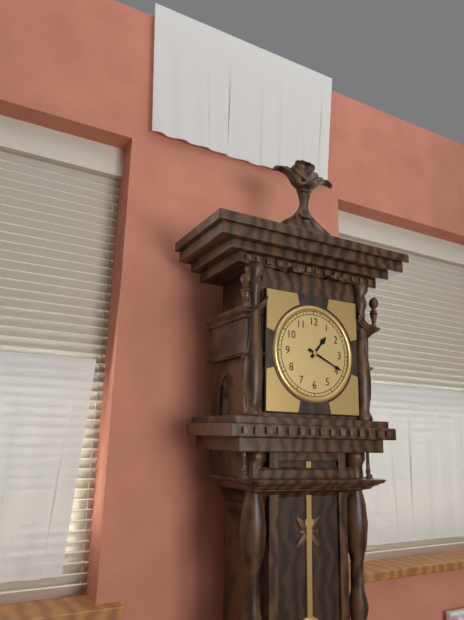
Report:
**1:19**
